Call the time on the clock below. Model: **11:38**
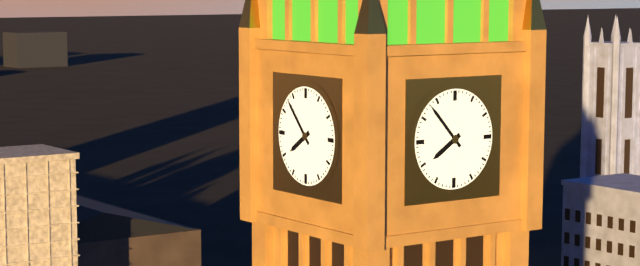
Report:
**7:53**
